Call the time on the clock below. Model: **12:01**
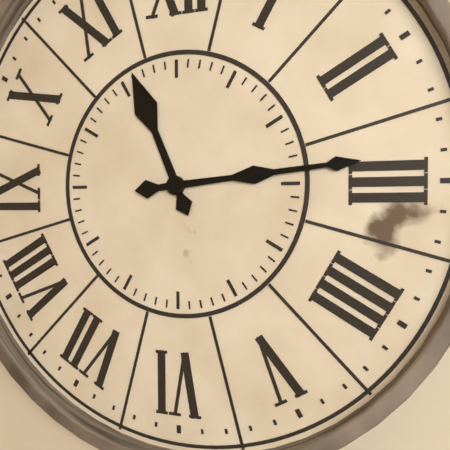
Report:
**11:14**
